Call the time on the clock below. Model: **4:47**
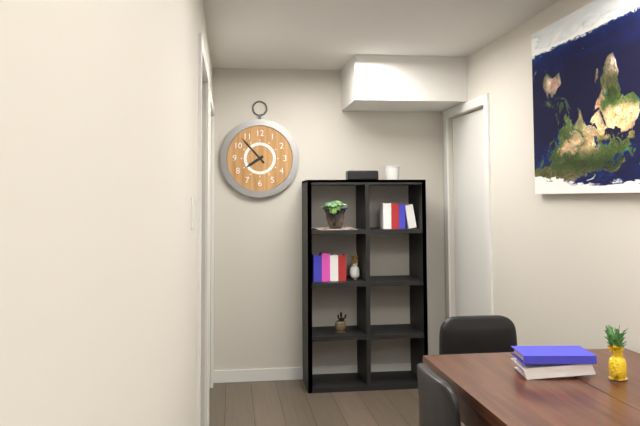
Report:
**7:53**
